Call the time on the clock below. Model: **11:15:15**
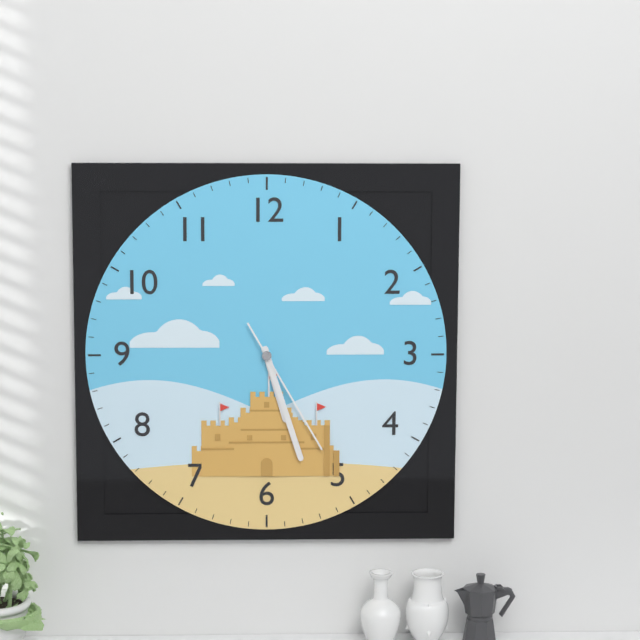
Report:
**5:27:25**
